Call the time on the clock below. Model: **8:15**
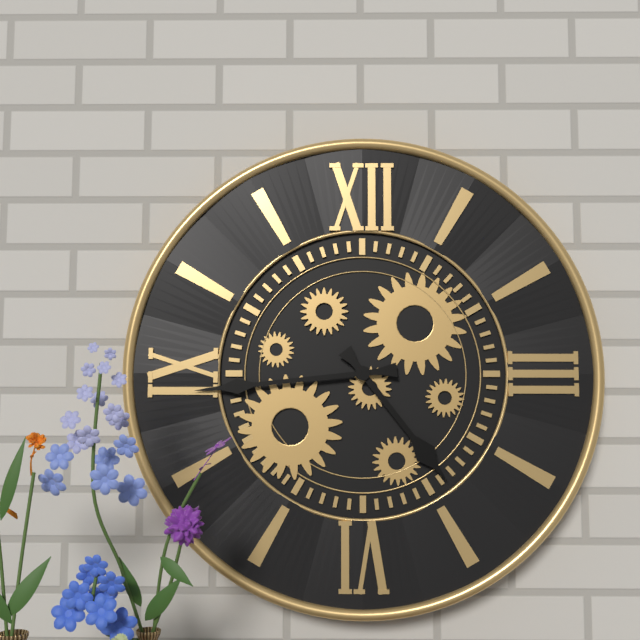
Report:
**4:44**
